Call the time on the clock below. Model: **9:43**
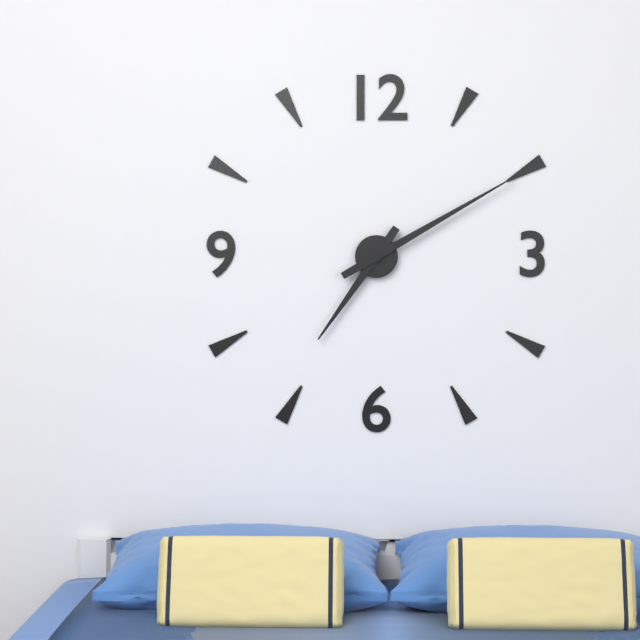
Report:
**7:10**
